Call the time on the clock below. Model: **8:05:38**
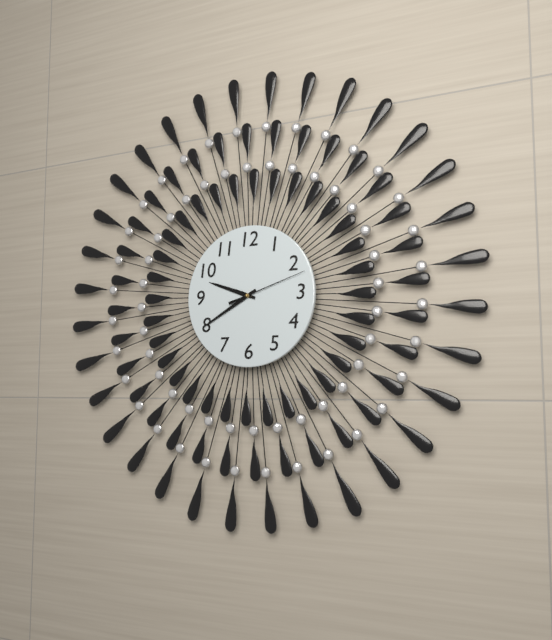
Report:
**9:40:12**
